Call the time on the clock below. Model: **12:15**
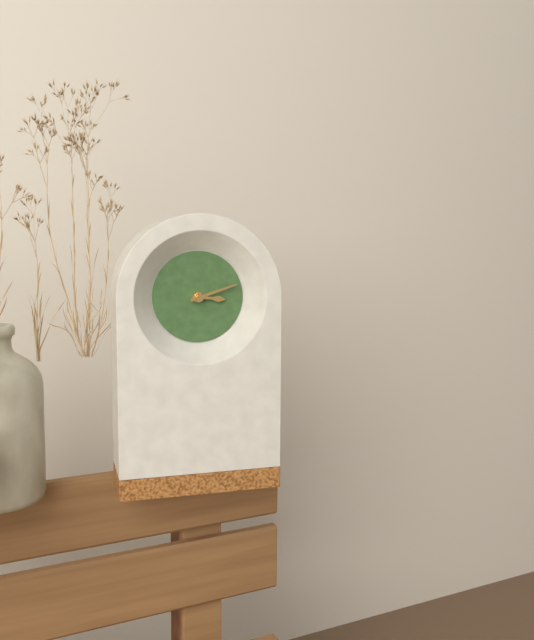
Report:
**3:12**
